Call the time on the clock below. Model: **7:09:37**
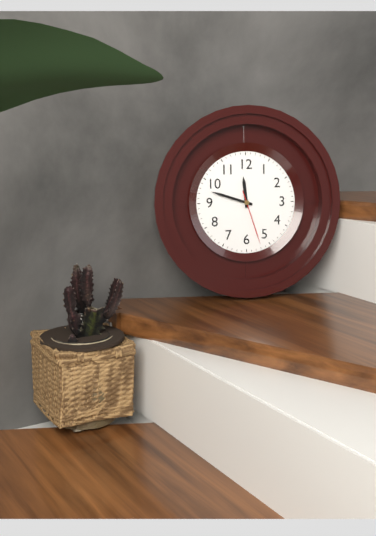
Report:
**11:48:27**
